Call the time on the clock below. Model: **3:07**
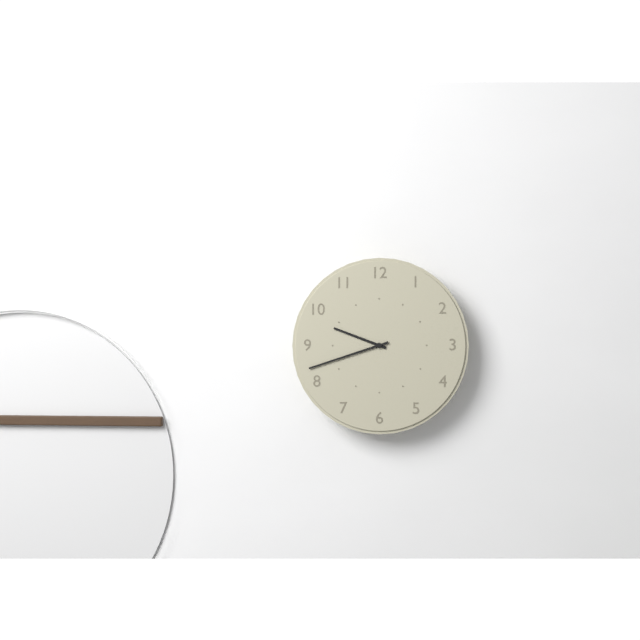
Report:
**9:42**
